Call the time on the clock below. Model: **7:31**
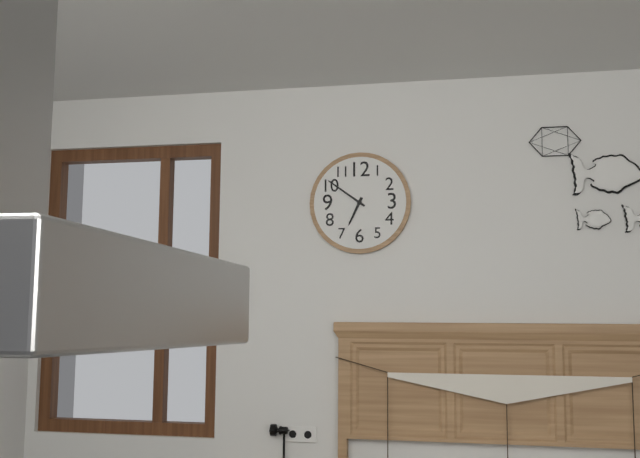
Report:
**6:51**
